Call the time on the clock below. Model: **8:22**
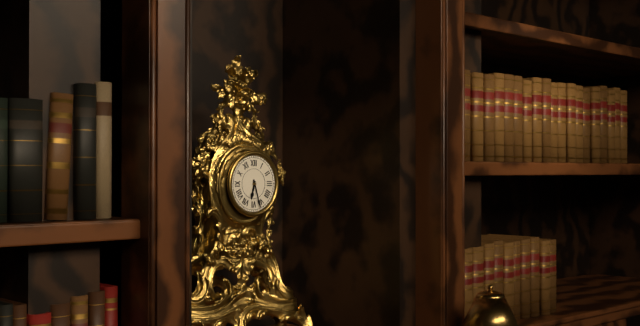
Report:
**6:27**
